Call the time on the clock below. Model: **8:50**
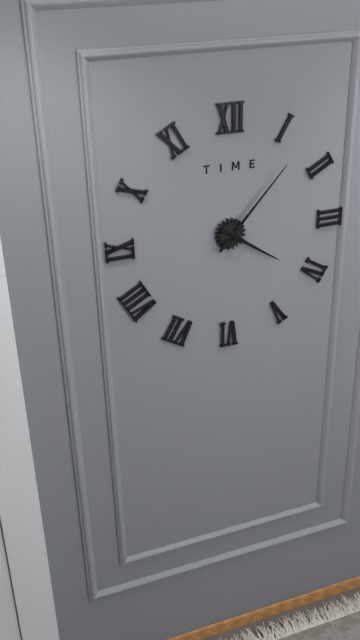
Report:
**4:07**
